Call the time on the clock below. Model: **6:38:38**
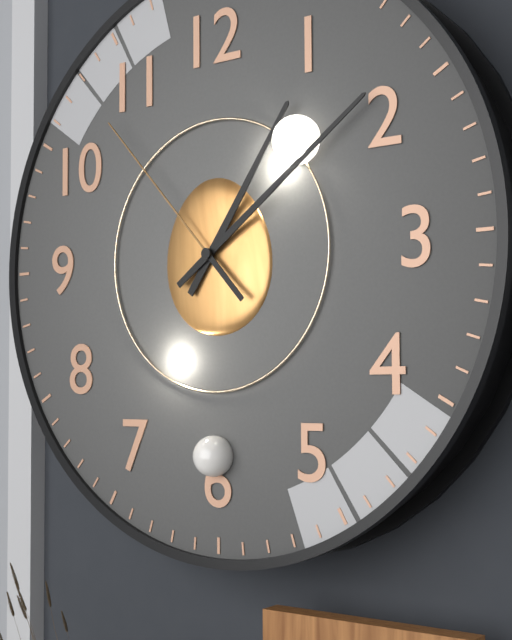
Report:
**1:09:53**
